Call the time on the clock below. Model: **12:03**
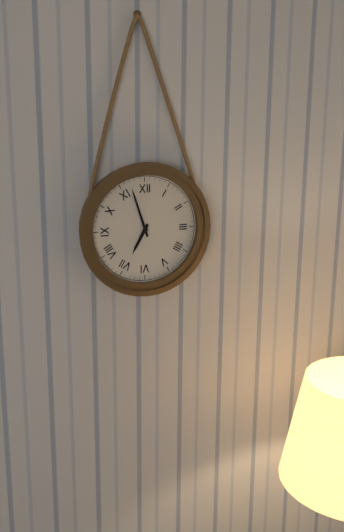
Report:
**6:57**
